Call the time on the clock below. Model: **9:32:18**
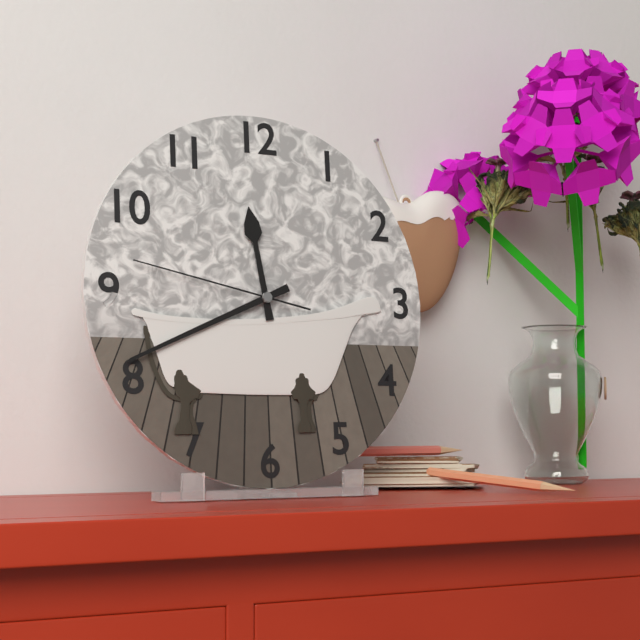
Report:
**11:41:47**
